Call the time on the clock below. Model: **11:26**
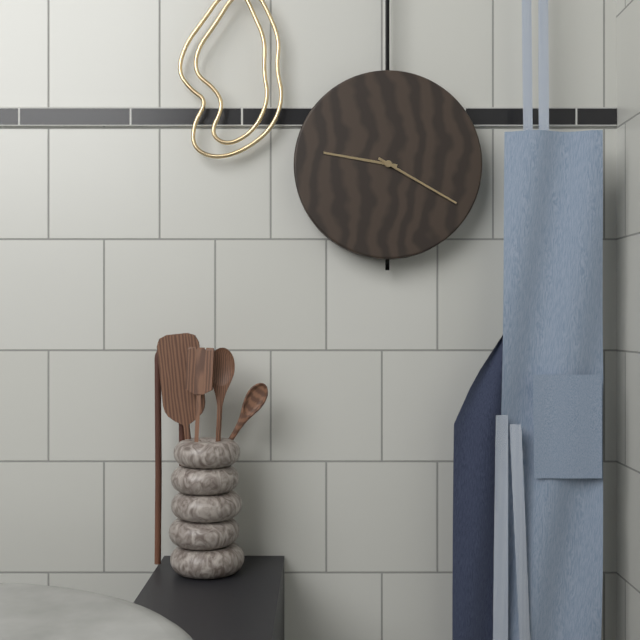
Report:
**9:20**
